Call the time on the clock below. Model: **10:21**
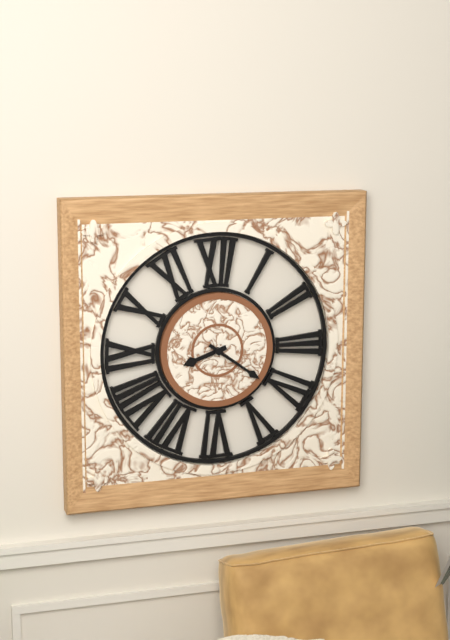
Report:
**8:21**
